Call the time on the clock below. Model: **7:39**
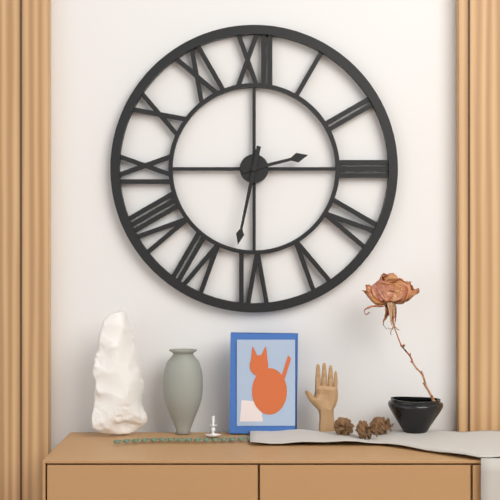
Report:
**2:32**
